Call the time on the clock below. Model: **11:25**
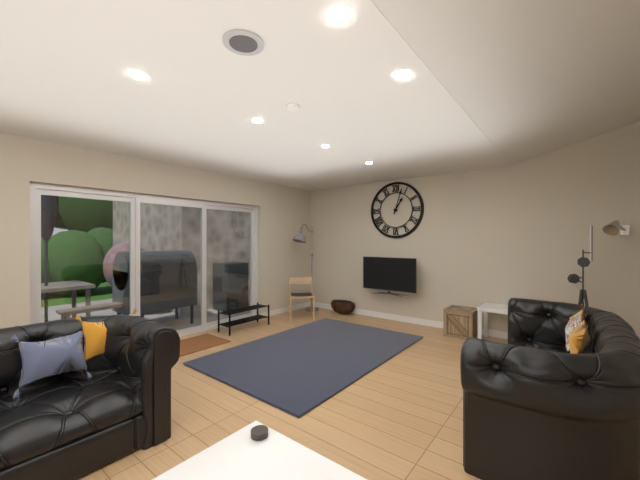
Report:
**1:03**
